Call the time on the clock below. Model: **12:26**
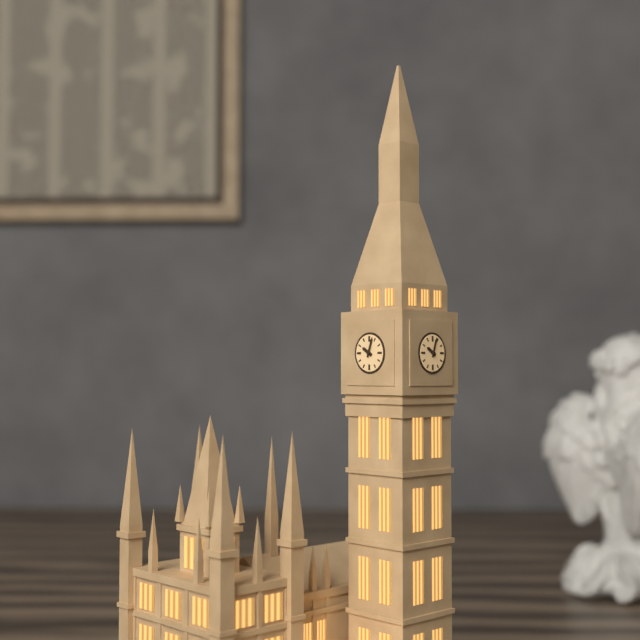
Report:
**10:03**
